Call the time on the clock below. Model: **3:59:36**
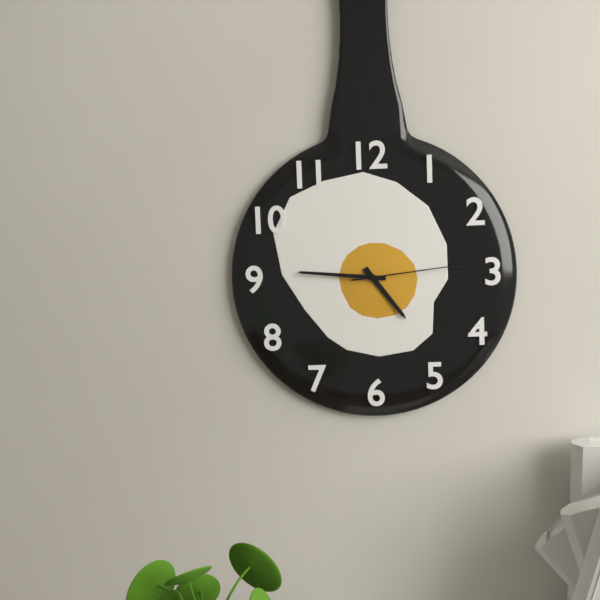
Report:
**4:46:14**
